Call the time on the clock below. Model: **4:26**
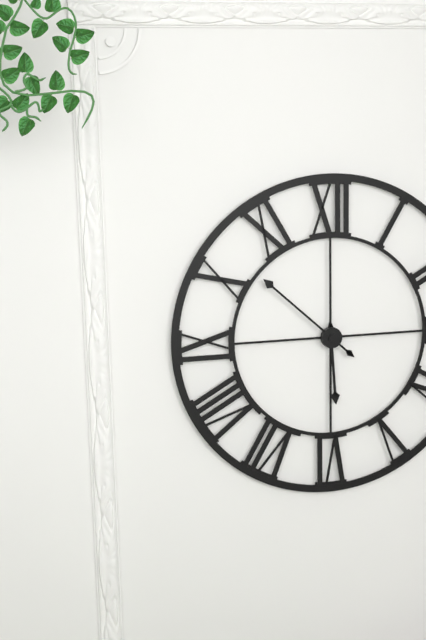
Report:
**5:52**
